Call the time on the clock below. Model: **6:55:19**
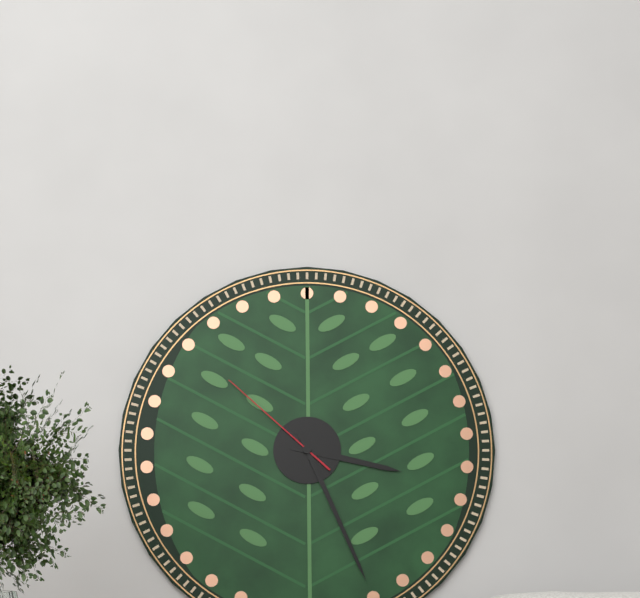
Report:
**3:26:52**
